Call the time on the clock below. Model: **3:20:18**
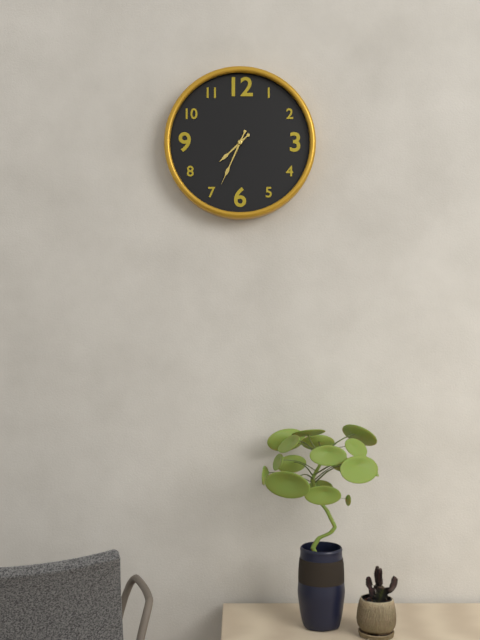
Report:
**7:34:34**
